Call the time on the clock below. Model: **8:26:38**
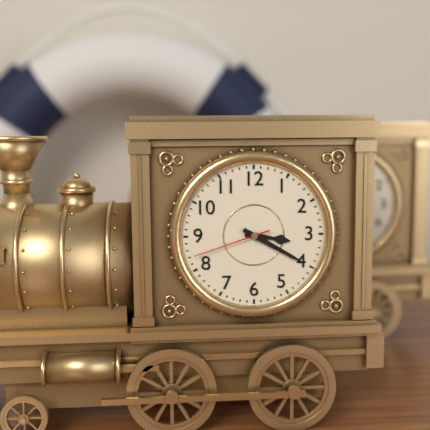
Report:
**3:20:42**
